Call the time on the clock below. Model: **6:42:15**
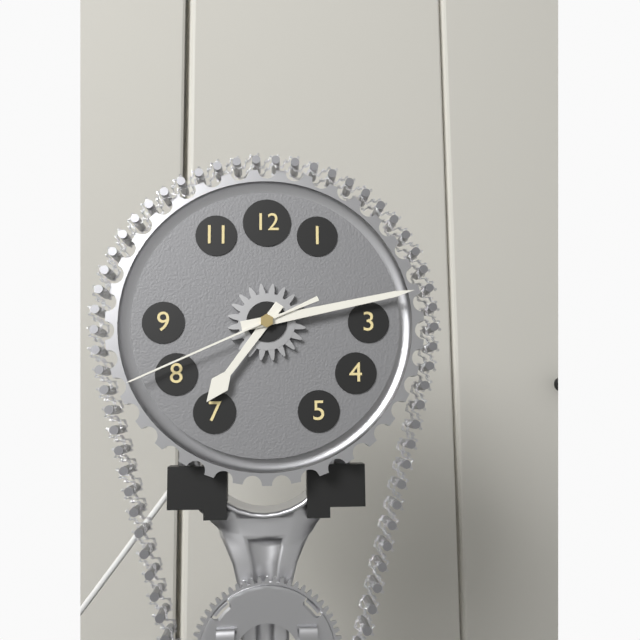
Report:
**7:13:41**
